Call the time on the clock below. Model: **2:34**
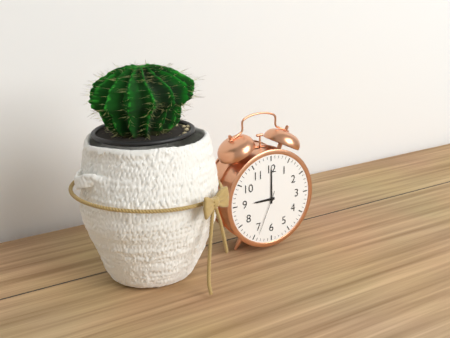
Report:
**9:00**
